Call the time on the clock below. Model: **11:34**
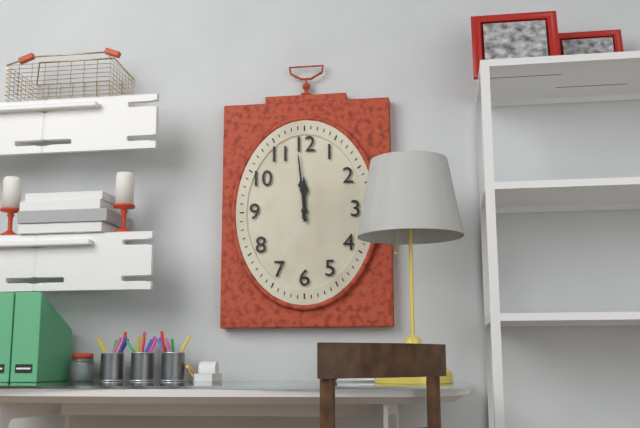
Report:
**11:59**
